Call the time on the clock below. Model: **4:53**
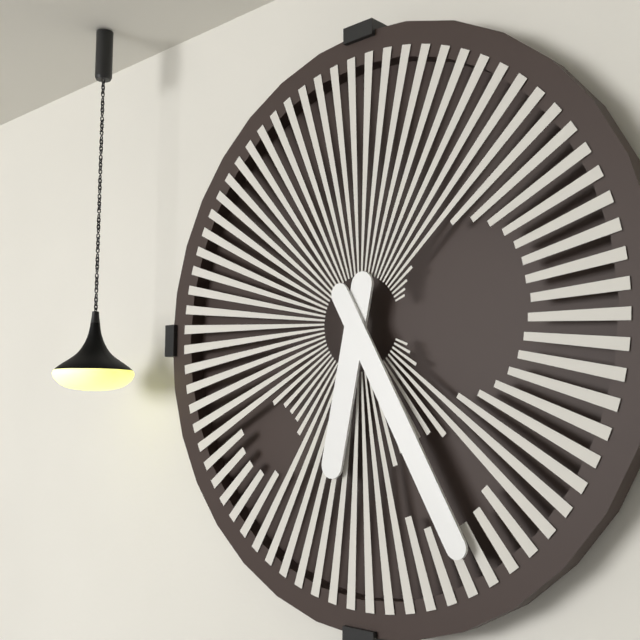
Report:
**6:25**
